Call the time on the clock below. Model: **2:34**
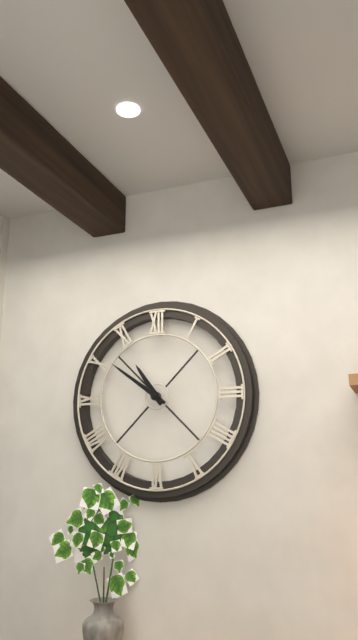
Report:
**10:51**
